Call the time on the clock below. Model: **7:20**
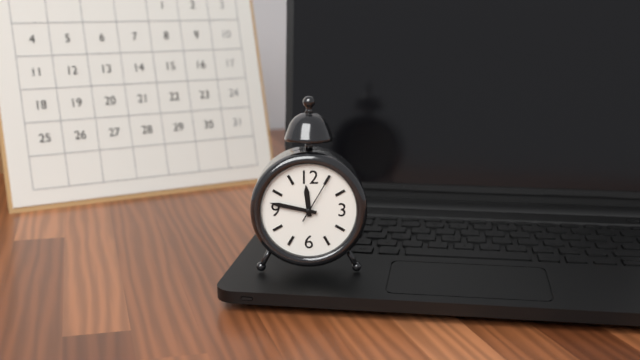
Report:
**11:47**
